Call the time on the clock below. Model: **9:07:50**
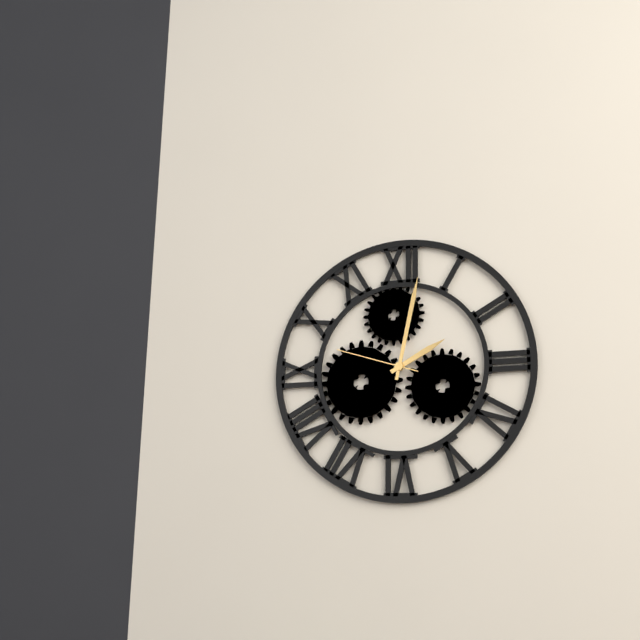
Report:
**2:02:48**
